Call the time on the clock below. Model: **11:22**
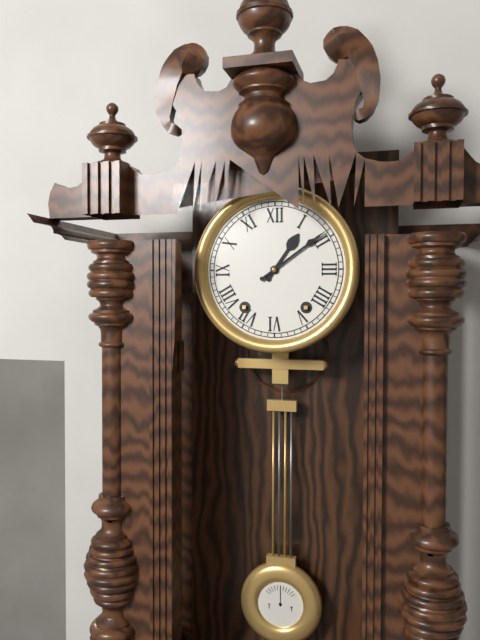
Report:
**1:09**
